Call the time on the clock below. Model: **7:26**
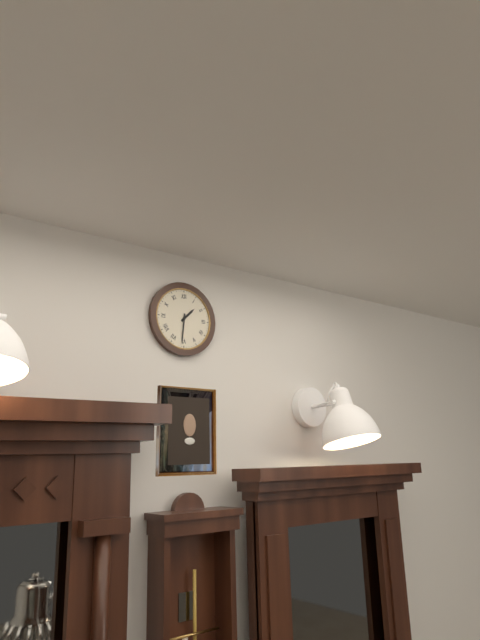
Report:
**1:31**
